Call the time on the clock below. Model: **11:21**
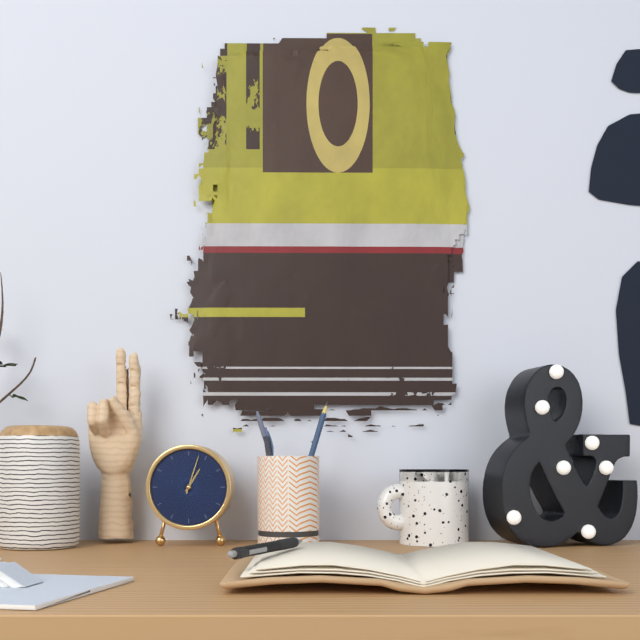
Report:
**1:03**
